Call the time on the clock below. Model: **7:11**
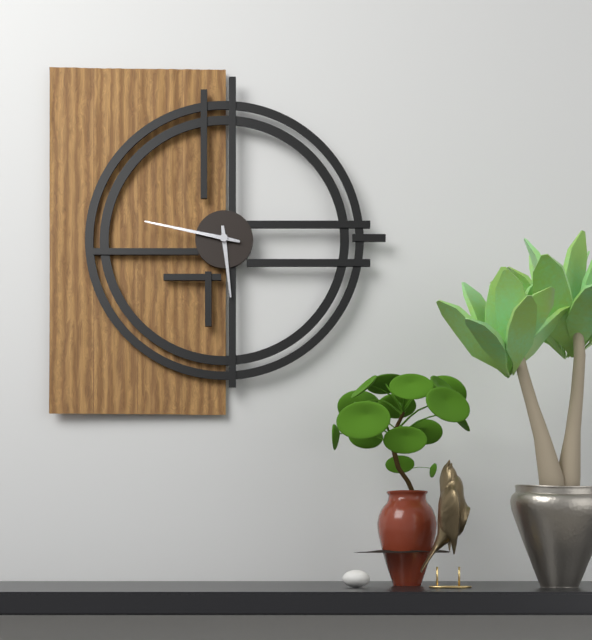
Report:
**5:47**
